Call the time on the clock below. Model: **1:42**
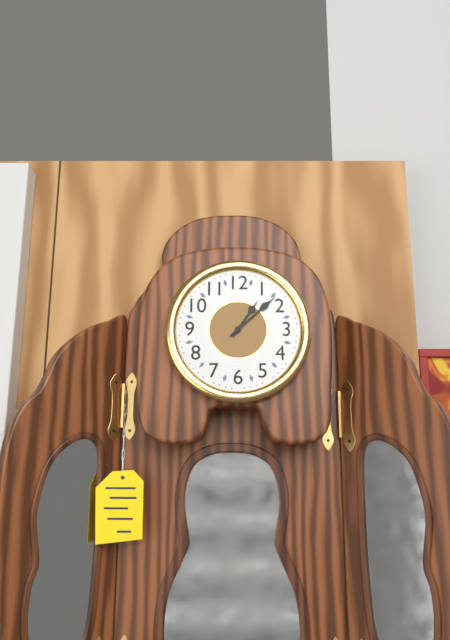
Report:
**1:08**
